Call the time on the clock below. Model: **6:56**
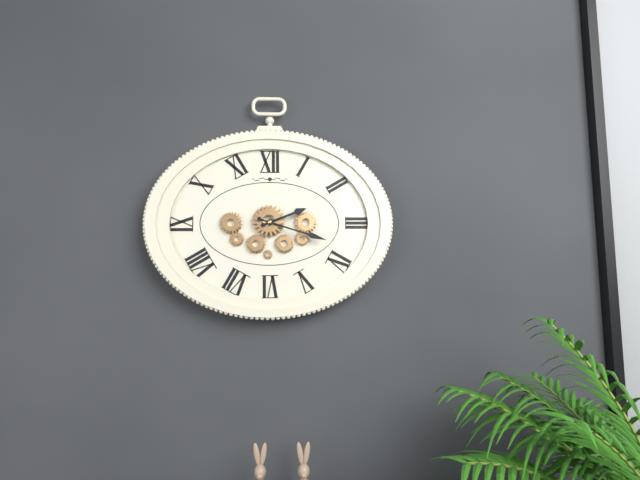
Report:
**2:18**
